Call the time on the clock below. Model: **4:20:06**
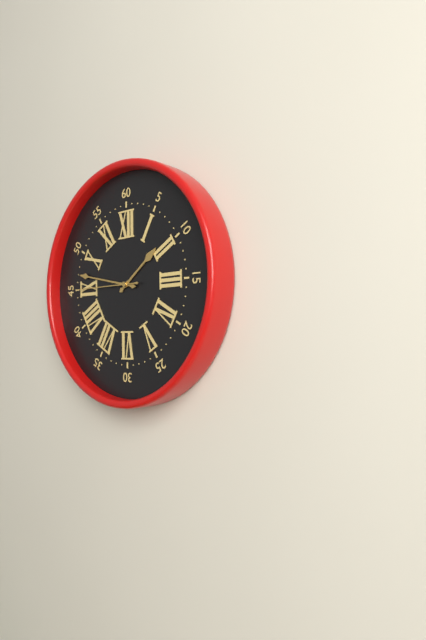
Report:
**1:47:45**
